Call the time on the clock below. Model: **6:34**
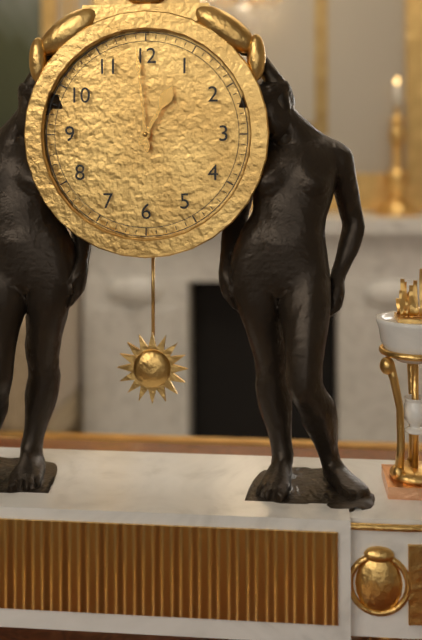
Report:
**12:59**
